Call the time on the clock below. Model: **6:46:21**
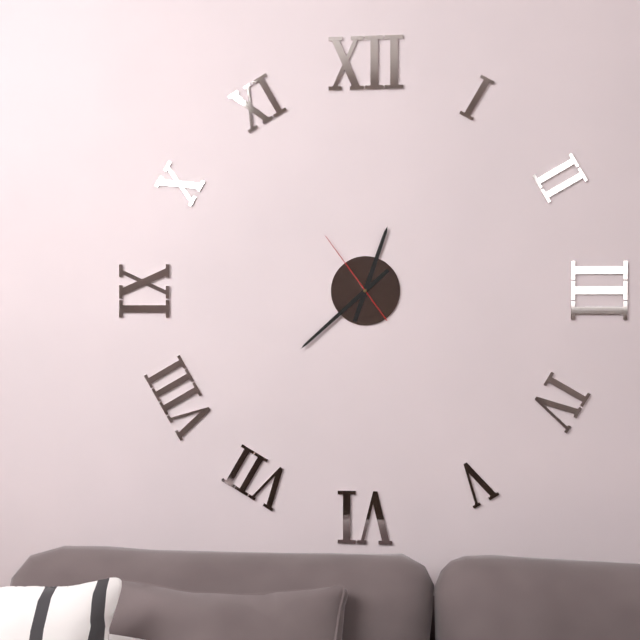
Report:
**12:38:54**
